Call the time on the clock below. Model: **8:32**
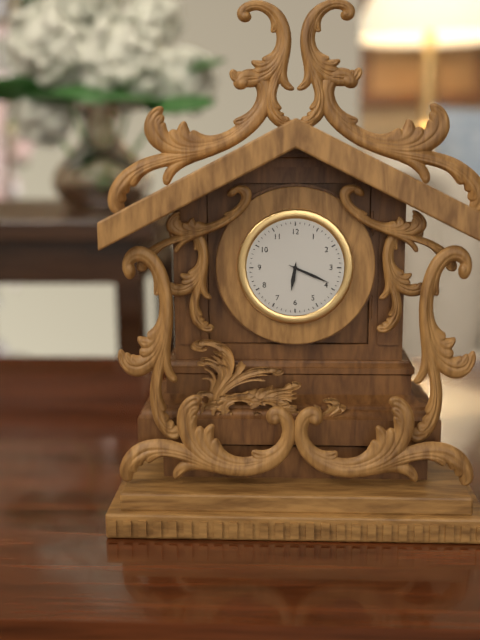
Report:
**6:19**
